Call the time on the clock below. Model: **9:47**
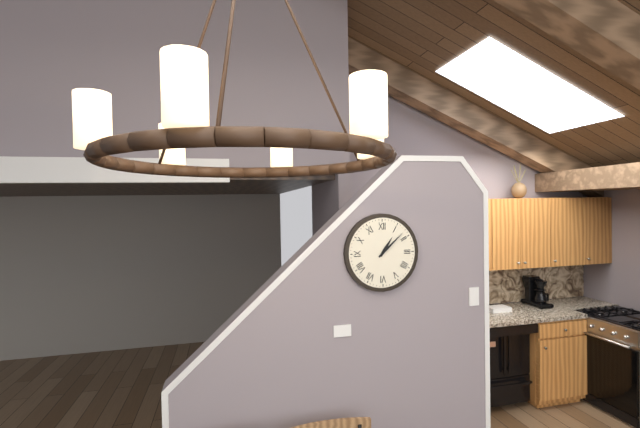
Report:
**1:08**
